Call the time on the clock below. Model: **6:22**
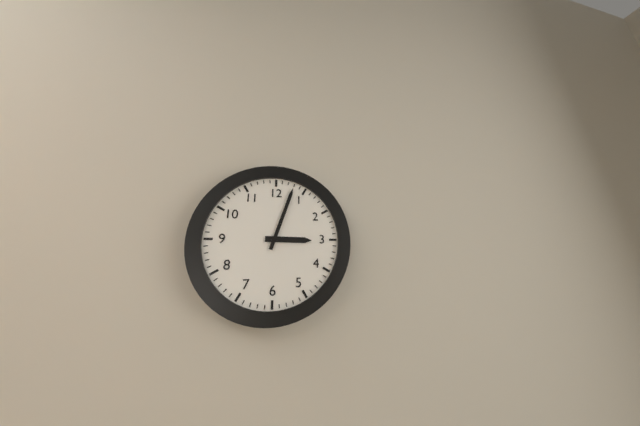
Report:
**3:03**
